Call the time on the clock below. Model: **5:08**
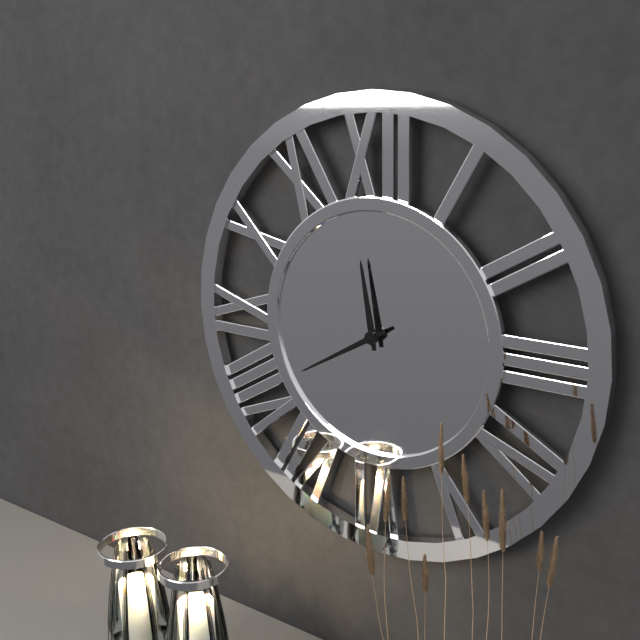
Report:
**11:40**
